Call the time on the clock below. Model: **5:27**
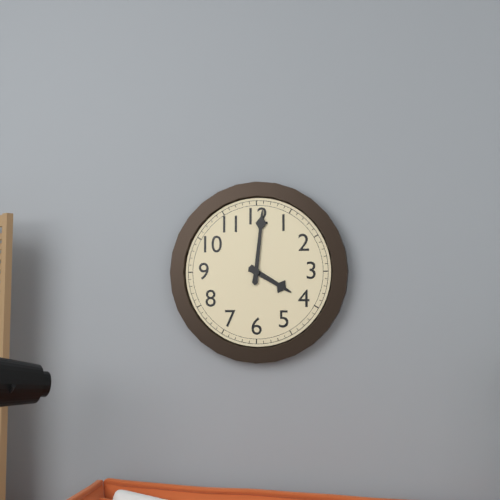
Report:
**4:01**
